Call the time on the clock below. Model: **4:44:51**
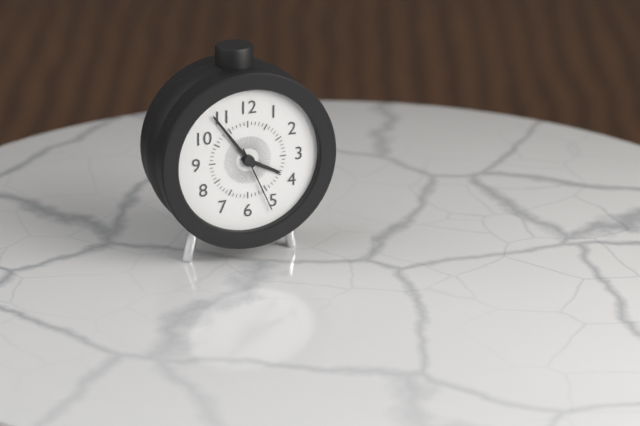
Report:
**3:54:26**
